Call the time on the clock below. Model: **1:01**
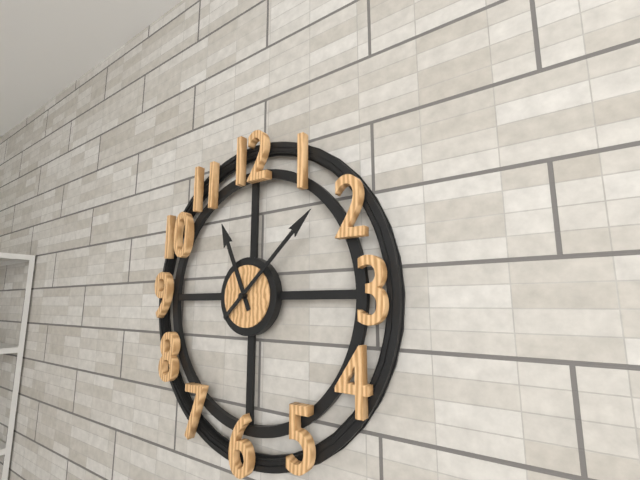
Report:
**11:08**
